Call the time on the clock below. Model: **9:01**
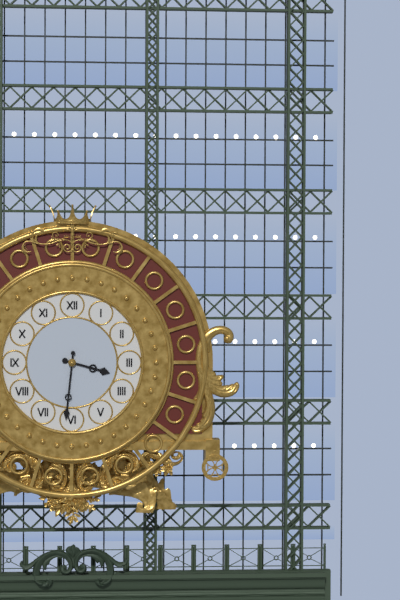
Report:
**3:31**
